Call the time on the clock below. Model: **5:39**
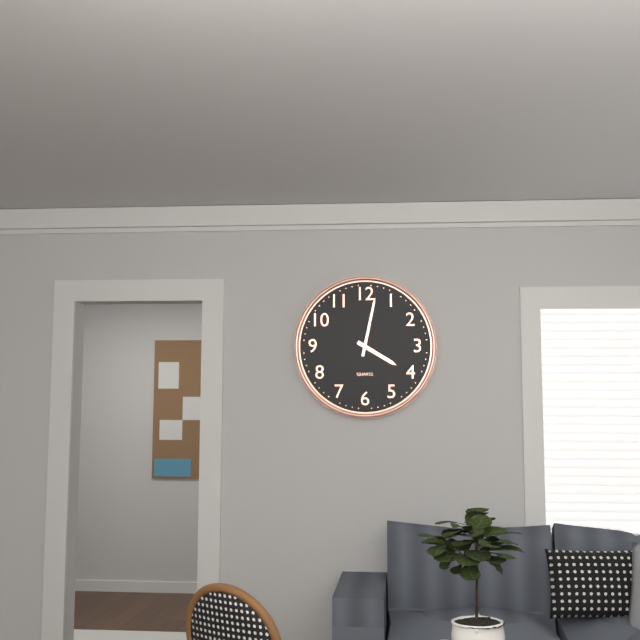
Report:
**4:02**
